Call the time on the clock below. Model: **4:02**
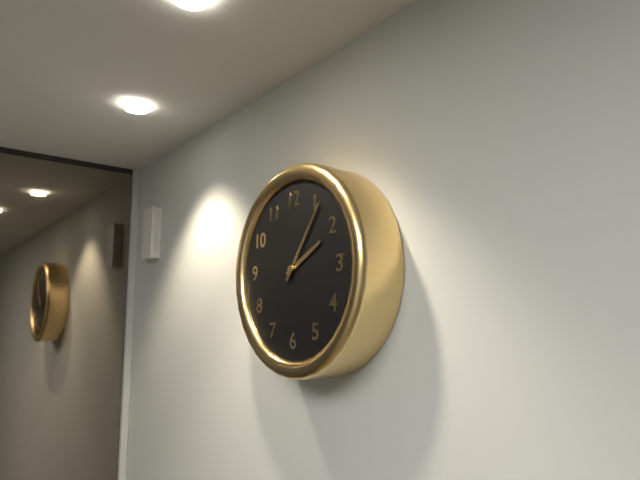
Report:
**2:06**
